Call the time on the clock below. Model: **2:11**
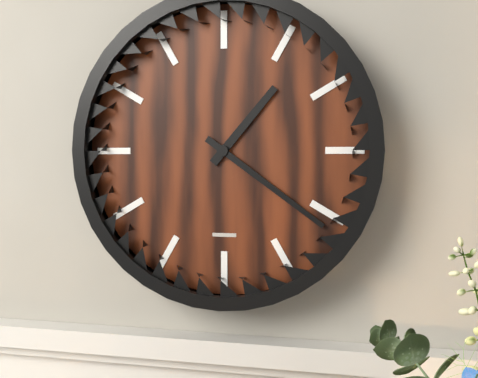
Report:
**1:21**
